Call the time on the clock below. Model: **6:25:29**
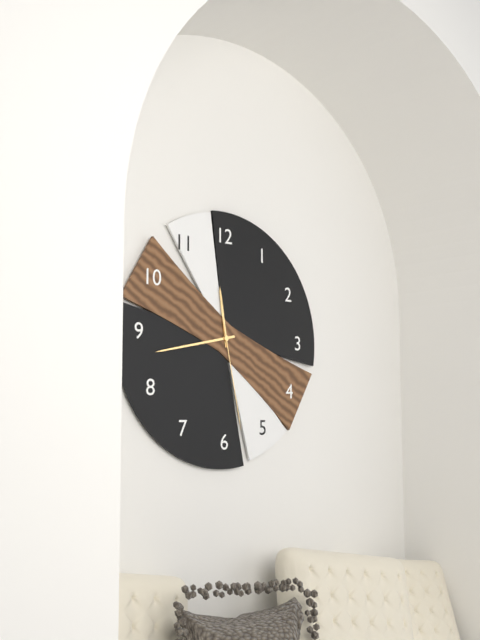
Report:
**11:43:28**
